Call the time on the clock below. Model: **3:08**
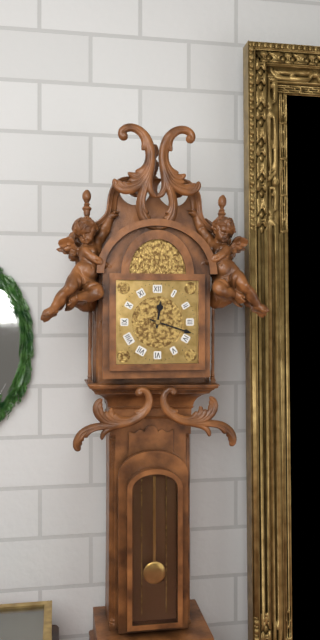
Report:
**12:18**
